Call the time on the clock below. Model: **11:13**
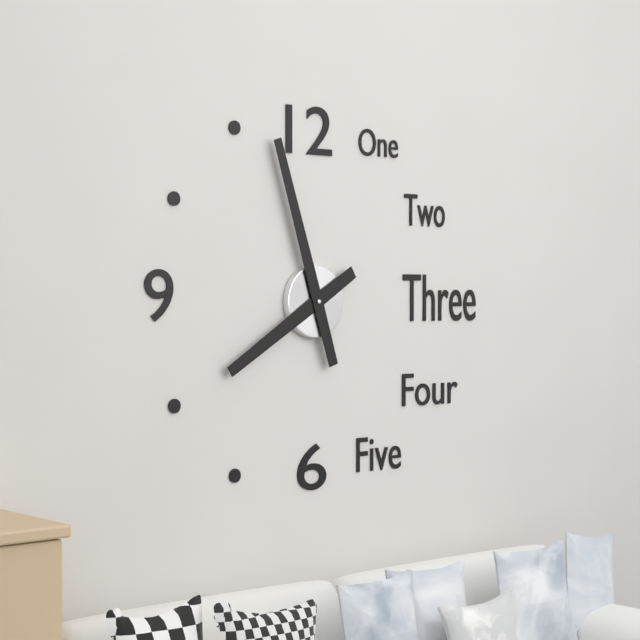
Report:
**7:57**
